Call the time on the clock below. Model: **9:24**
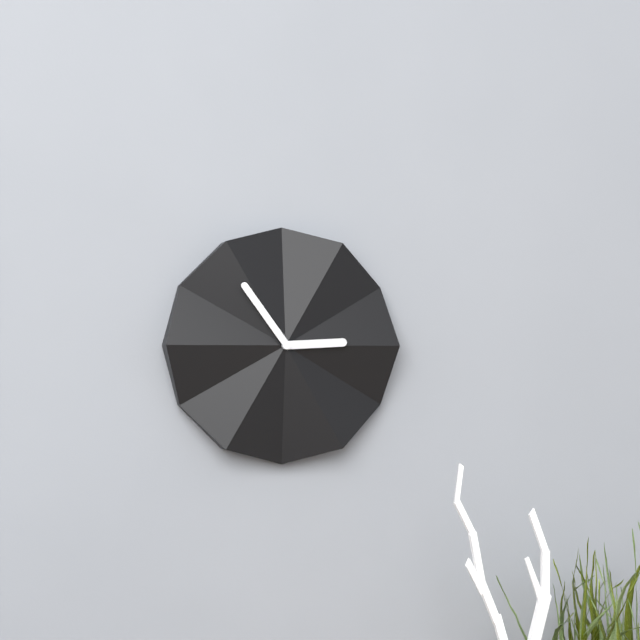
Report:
**2:54**
